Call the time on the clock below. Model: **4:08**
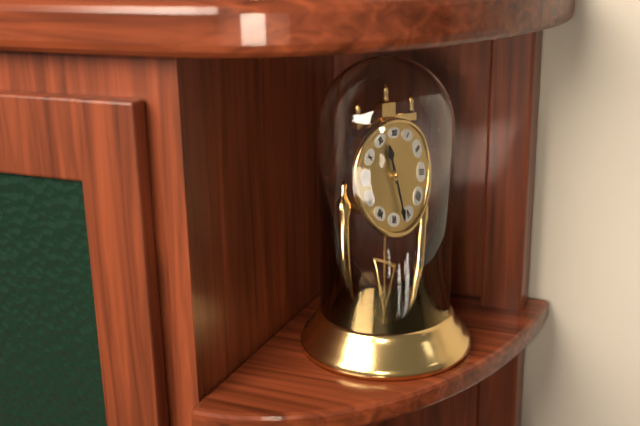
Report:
**11:27**
